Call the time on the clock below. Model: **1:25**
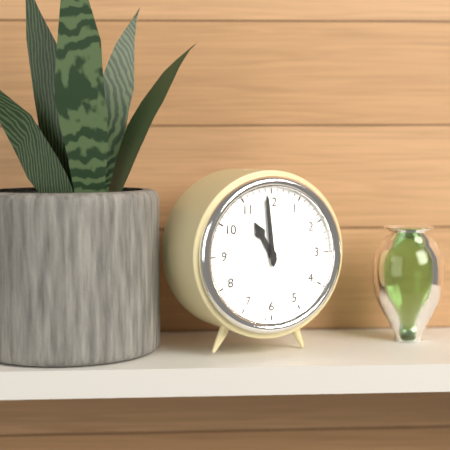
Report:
**10:59**
